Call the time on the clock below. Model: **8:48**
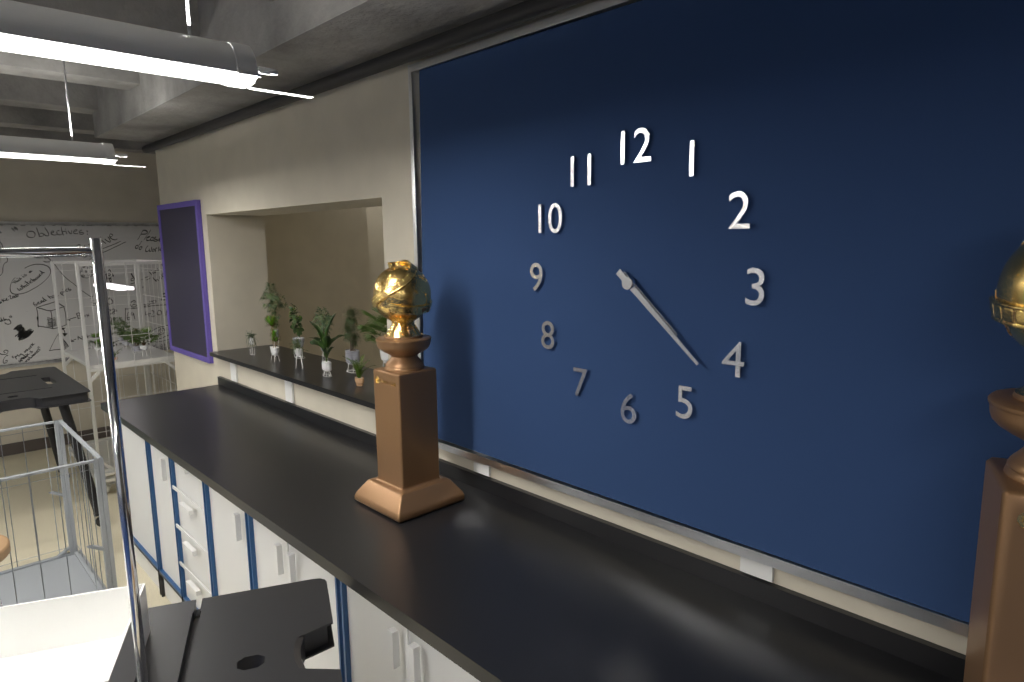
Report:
**4:22**
